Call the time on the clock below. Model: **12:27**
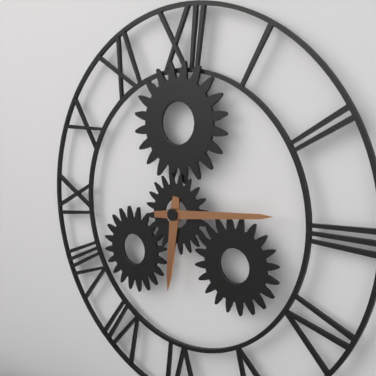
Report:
**6:14**
